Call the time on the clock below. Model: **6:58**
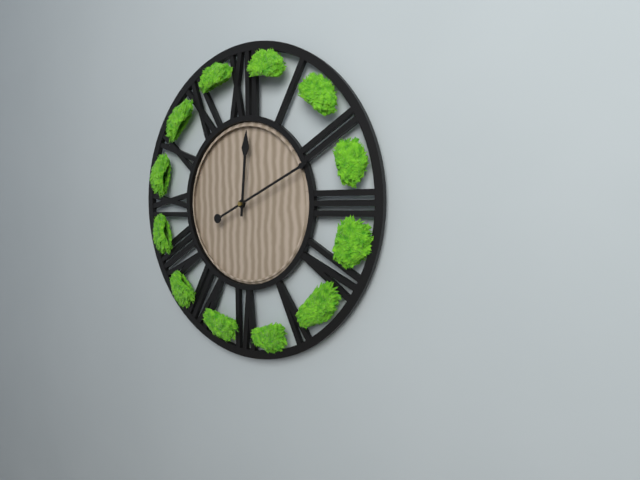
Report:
**12:11**
